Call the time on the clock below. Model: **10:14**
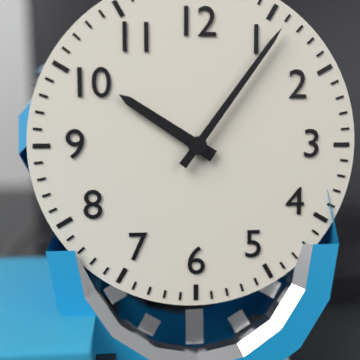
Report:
**10:06**
